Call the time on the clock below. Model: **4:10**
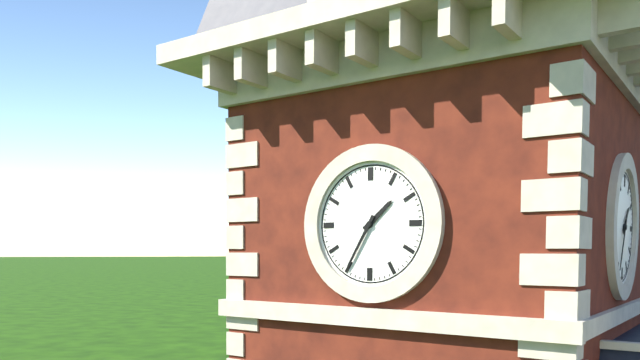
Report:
**1:35**
